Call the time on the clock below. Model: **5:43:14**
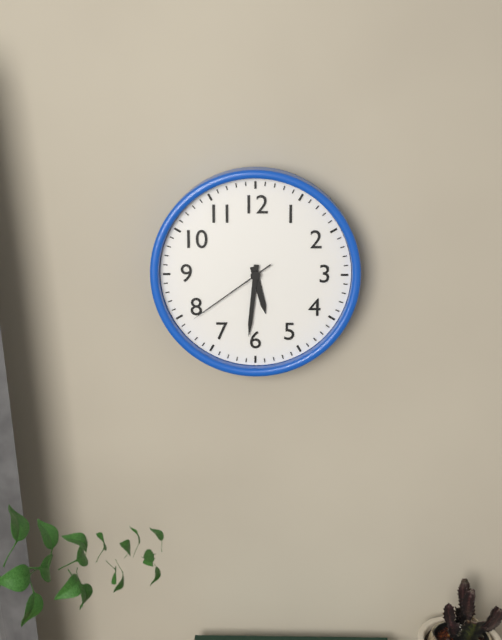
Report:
**5:31:39**
